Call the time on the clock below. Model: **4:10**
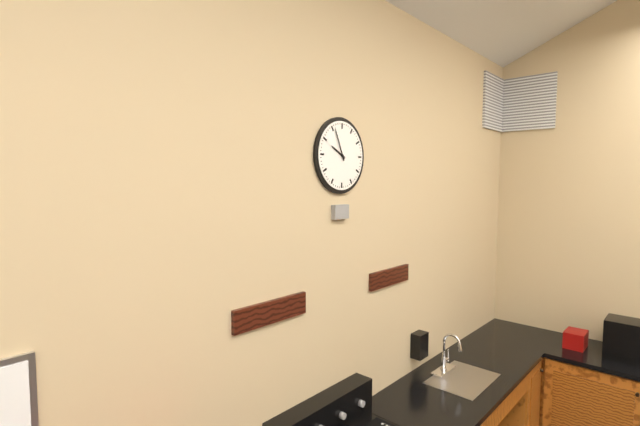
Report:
**9:56**
